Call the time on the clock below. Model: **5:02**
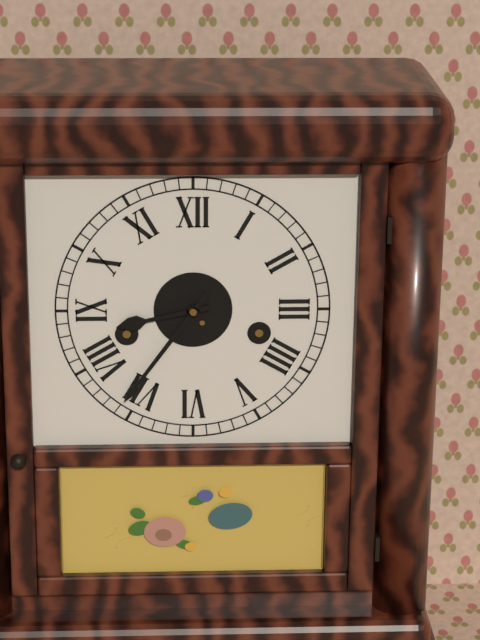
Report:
**8:36**
